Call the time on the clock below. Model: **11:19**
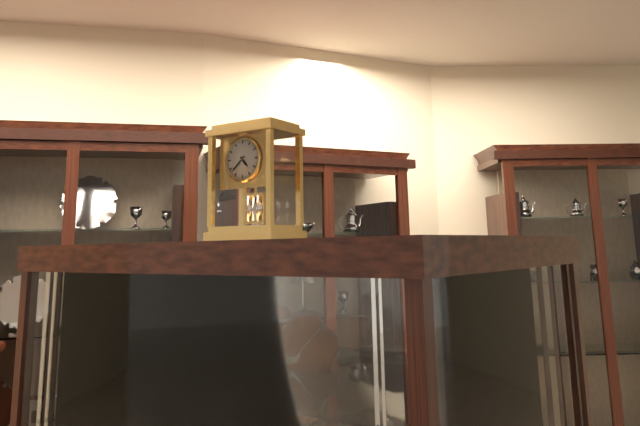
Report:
**4:38**
